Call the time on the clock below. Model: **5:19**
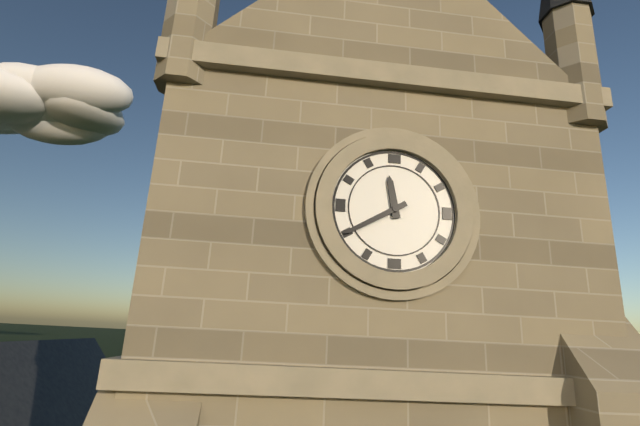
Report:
**11:40**
